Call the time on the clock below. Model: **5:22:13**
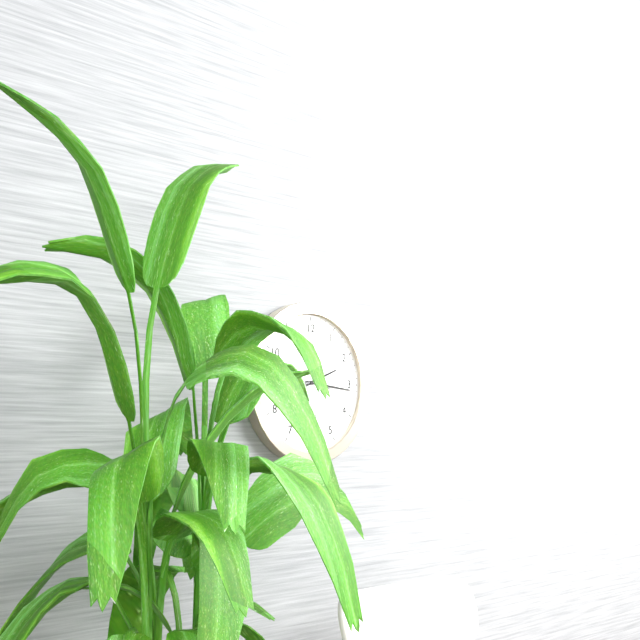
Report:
**2:16:14**
